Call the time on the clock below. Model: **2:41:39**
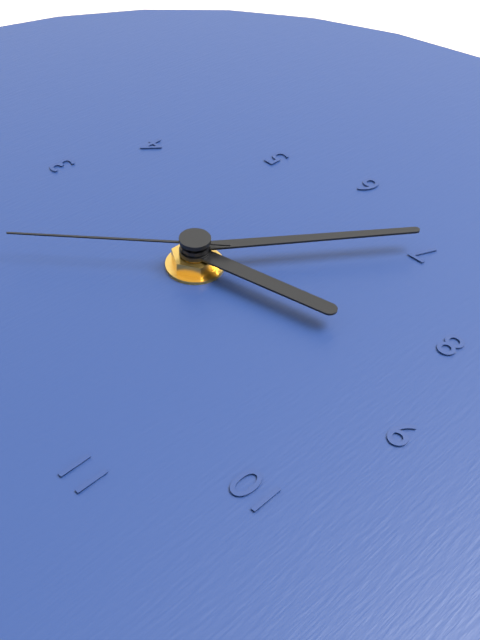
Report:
**8:36:08**
